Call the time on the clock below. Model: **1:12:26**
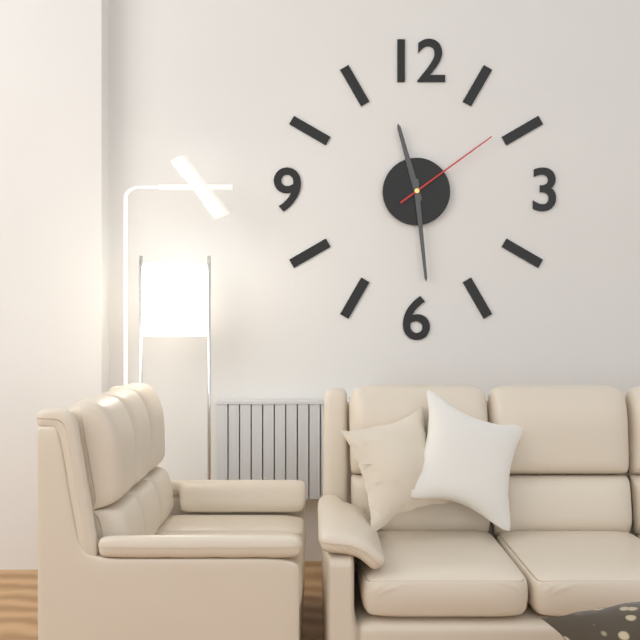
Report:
**11:29:09**
